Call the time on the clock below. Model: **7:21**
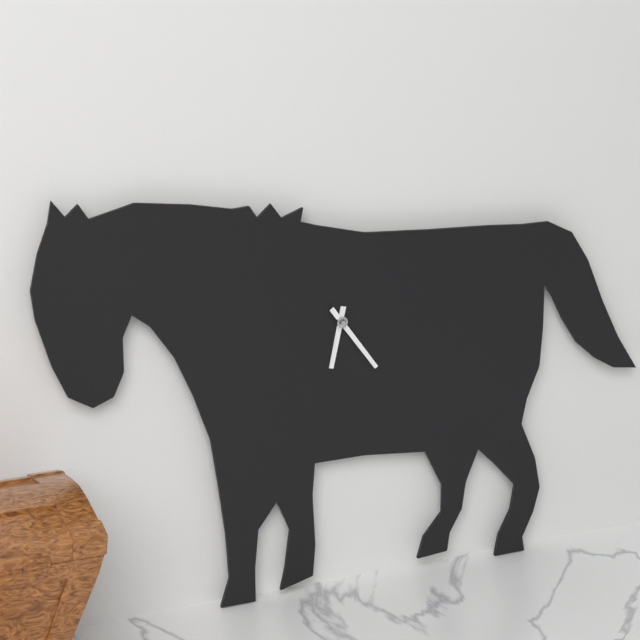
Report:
**6:24**
